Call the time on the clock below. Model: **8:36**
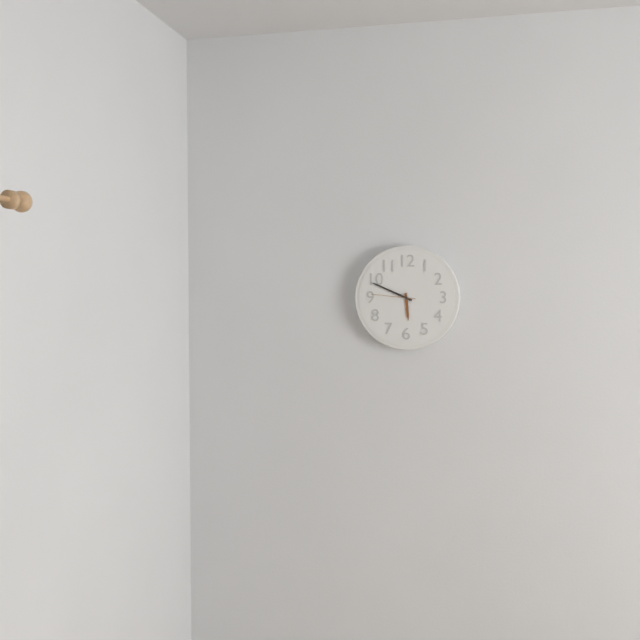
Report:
**5:49**
